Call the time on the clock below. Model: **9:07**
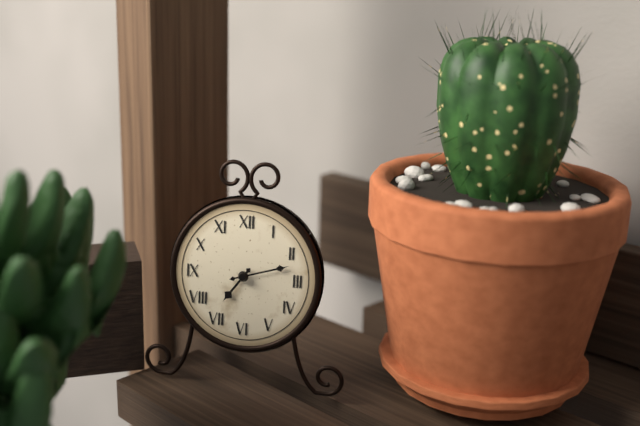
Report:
**7:12**
